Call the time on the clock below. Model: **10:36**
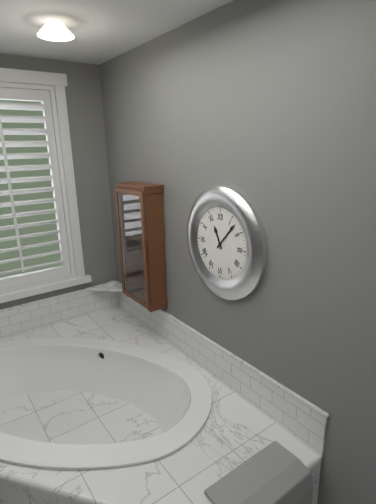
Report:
**11:07**
